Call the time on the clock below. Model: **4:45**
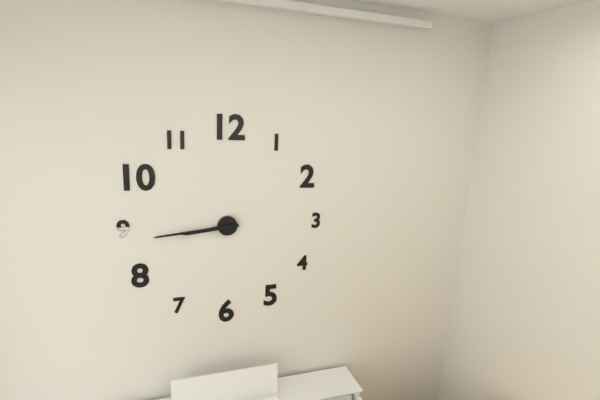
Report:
**8:44**
